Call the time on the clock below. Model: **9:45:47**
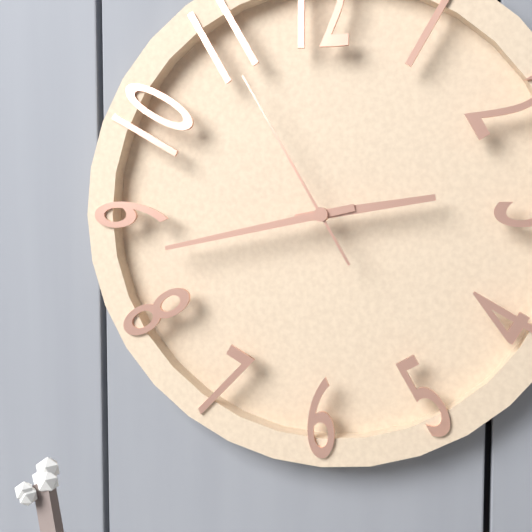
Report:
**2:43:55**
